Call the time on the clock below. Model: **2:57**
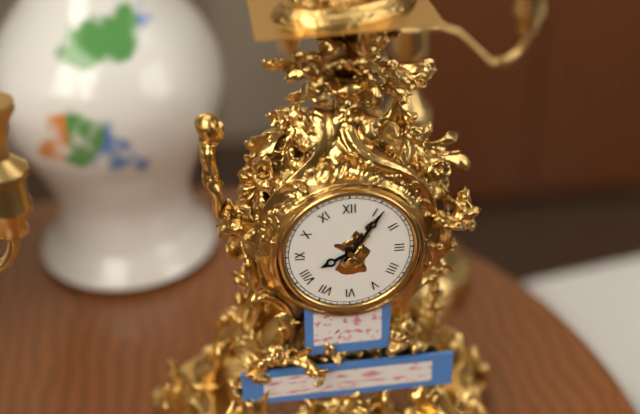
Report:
**8:06**
